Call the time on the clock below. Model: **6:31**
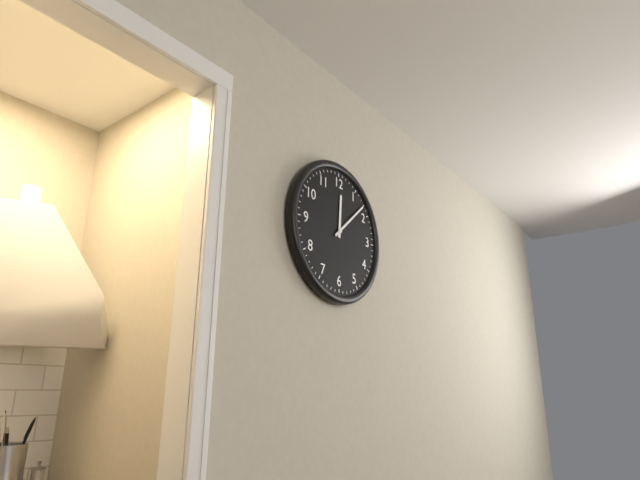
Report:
**12:08**
